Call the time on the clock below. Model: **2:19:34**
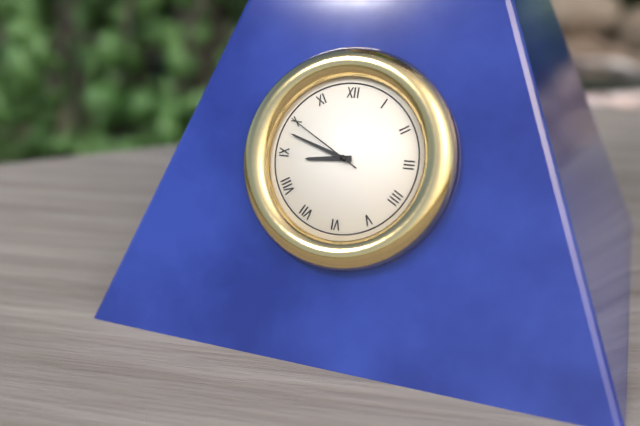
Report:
**8:48:50**
